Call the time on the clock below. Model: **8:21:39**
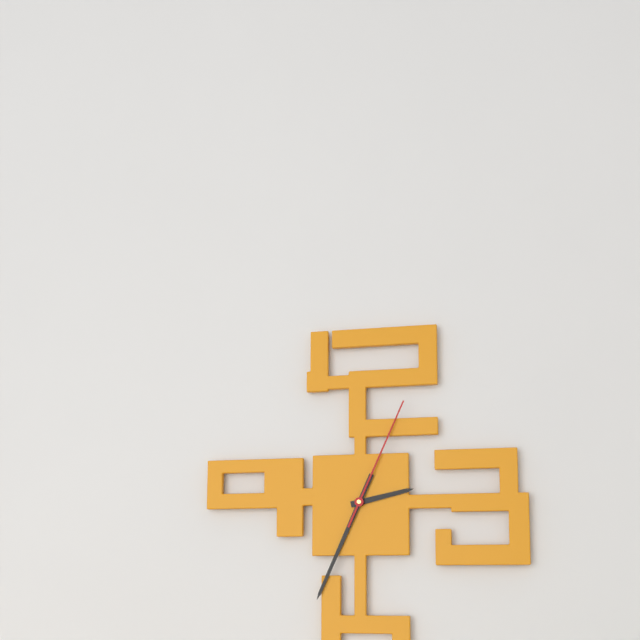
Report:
**2:34:04**
